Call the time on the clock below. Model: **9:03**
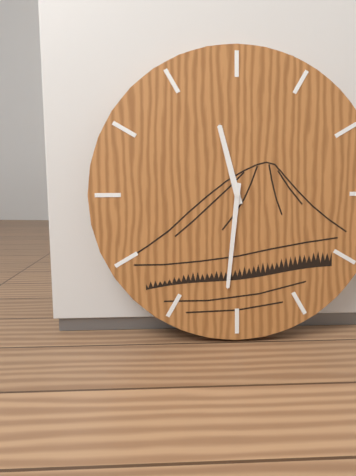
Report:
**11:31**
